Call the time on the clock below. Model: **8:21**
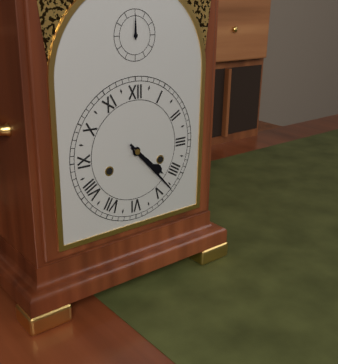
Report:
**4:23**
